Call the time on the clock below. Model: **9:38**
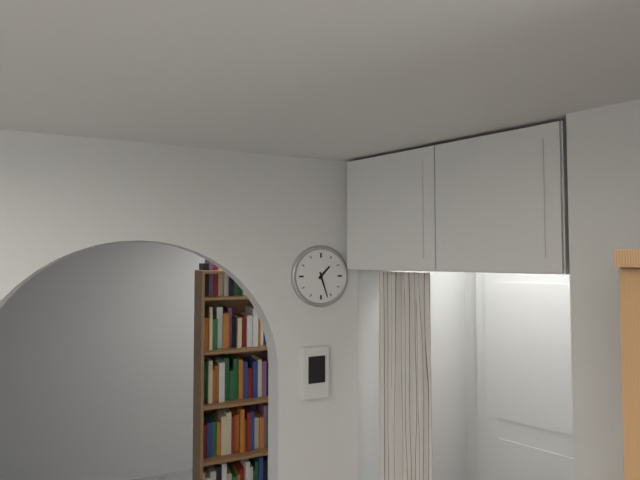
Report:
**1:27**
